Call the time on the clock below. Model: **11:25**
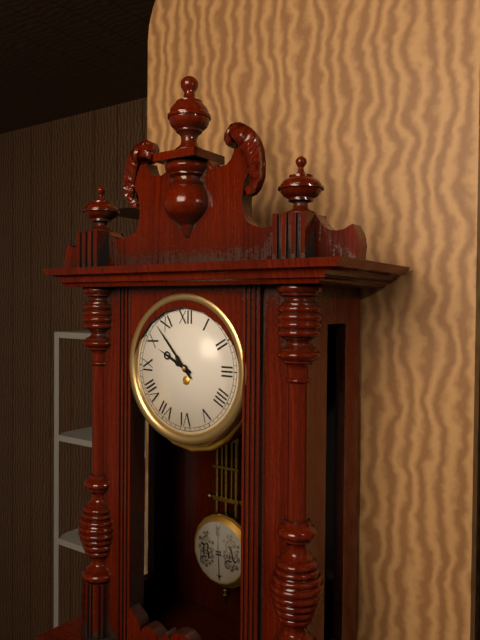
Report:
**9:53**
